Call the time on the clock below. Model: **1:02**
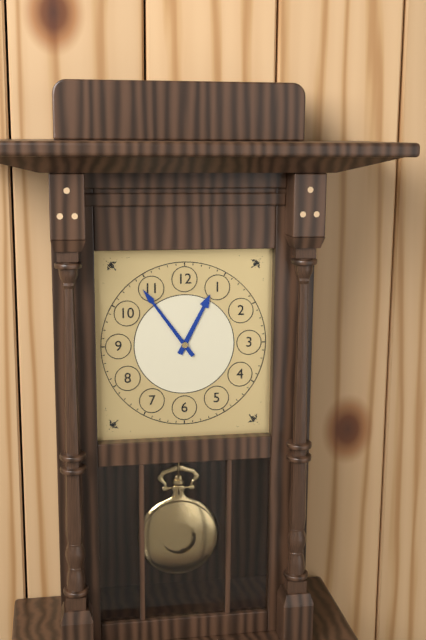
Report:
**12:54**
